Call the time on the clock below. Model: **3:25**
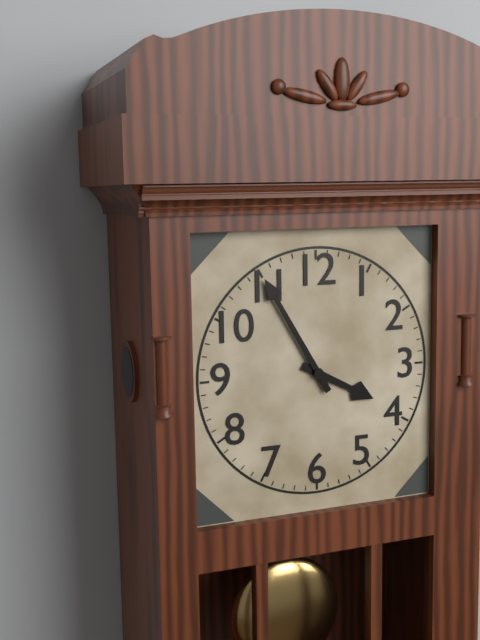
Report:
**3:55**
